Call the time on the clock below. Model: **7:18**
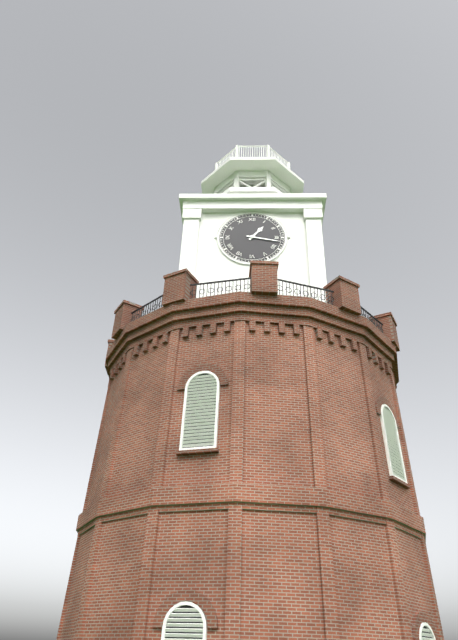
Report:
**1:17**
